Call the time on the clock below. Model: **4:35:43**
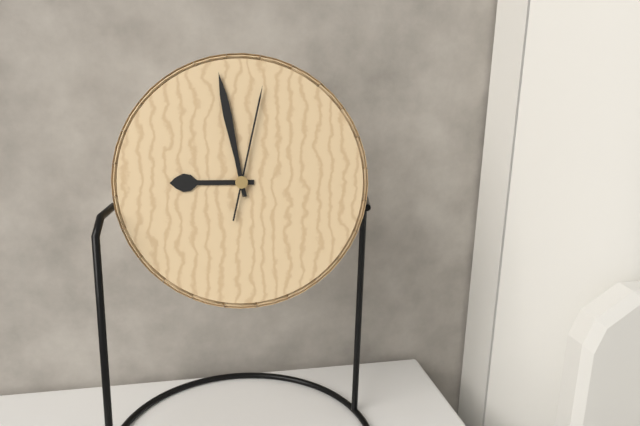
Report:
**8:58:02**
